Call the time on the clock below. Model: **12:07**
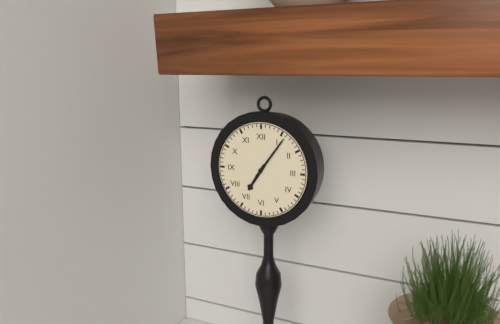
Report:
**7:06**
